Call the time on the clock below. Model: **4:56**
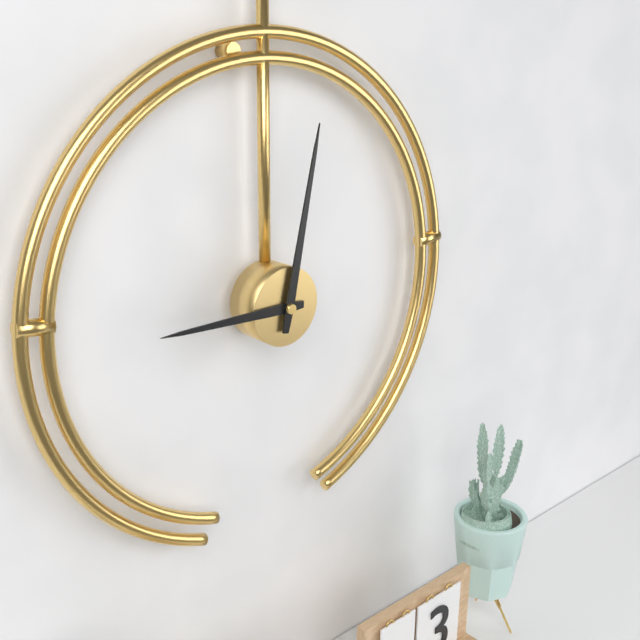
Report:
**9:02**
